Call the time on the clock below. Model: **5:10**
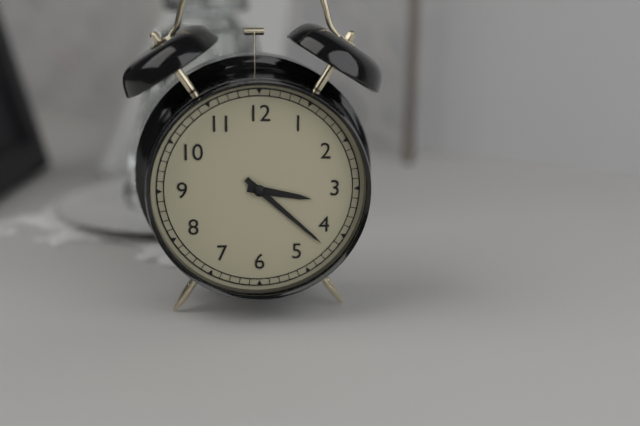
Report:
**3:22**
